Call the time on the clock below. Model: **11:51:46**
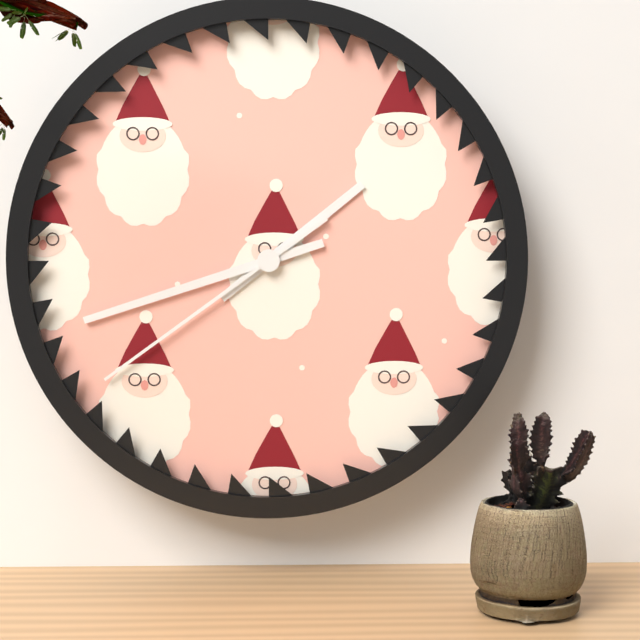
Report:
**1:42:39**
